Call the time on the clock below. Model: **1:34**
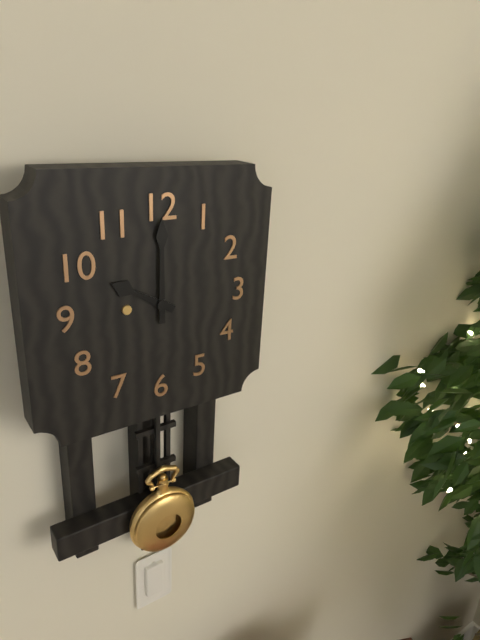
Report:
**10:00**
